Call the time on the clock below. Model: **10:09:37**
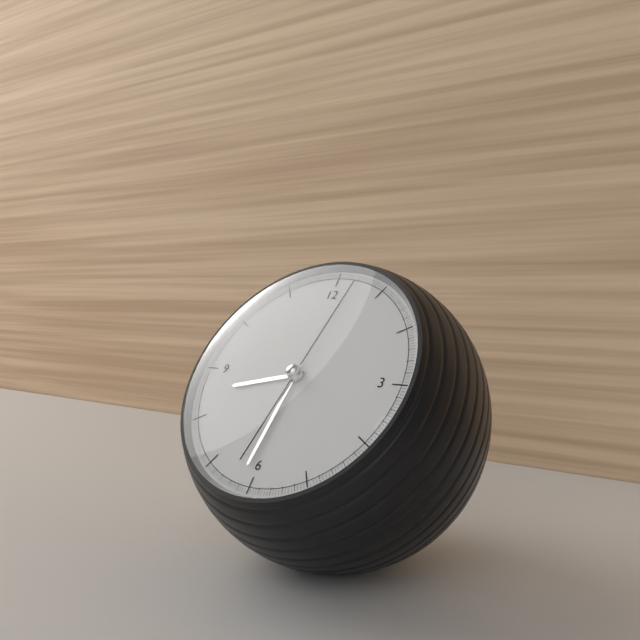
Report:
**8:31:02**
